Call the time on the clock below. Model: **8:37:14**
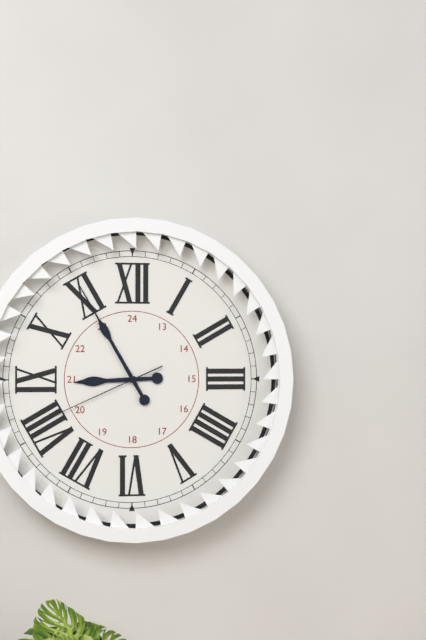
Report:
**8:55:41**
